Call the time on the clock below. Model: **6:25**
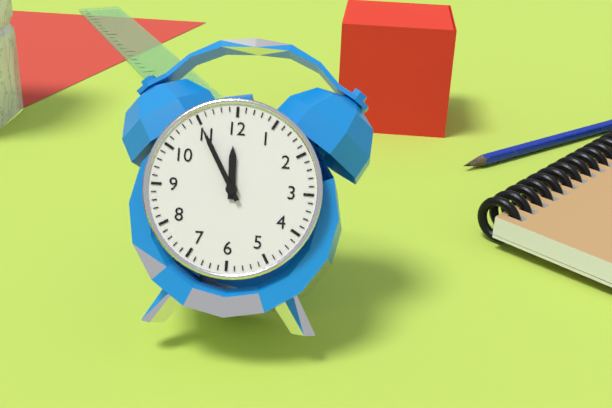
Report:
**11:55**
